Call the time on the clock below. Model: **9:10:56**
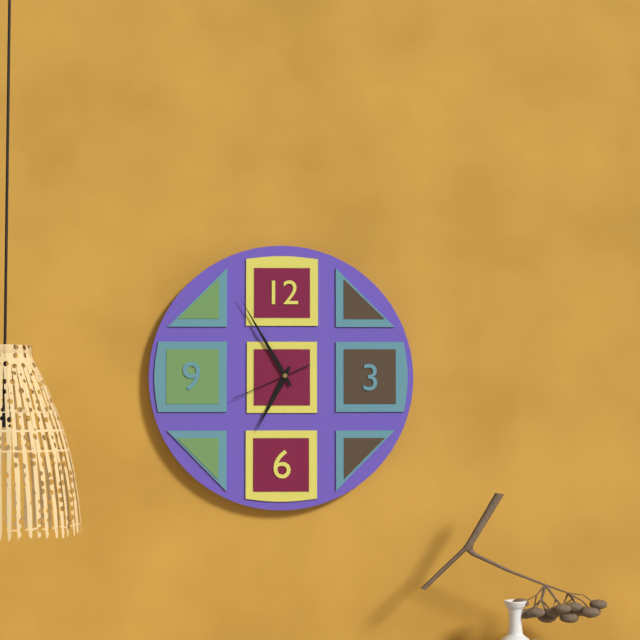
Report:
**6:55:41**
